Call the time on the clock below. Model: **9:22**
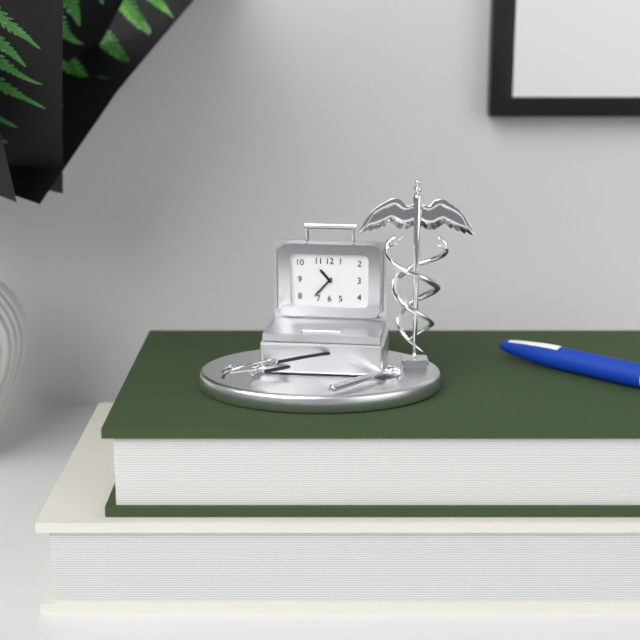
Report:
**10:37**
